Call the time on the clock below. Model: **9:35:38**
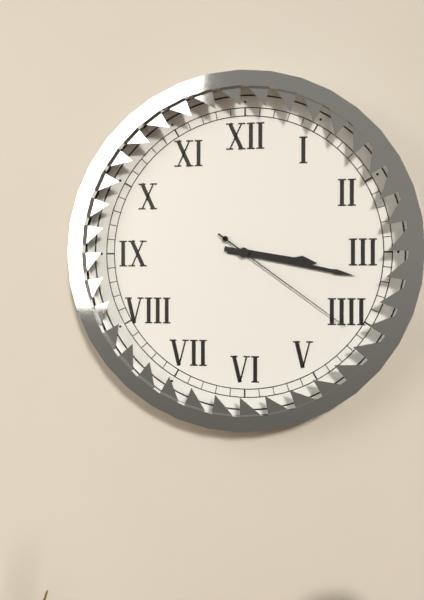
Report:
**3:17:21**
